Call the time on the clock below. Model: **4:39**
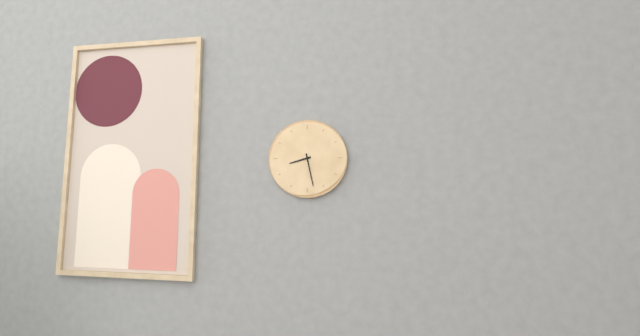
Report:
**8:28**
